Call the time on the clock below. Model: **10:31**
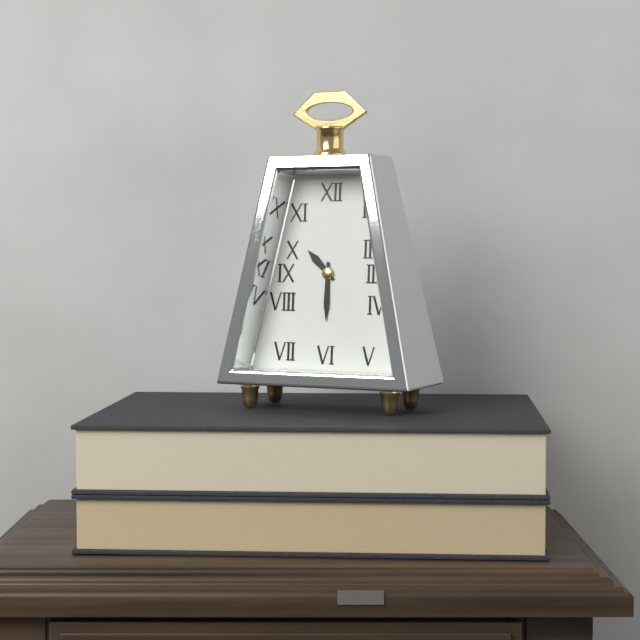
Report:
**10:30**
